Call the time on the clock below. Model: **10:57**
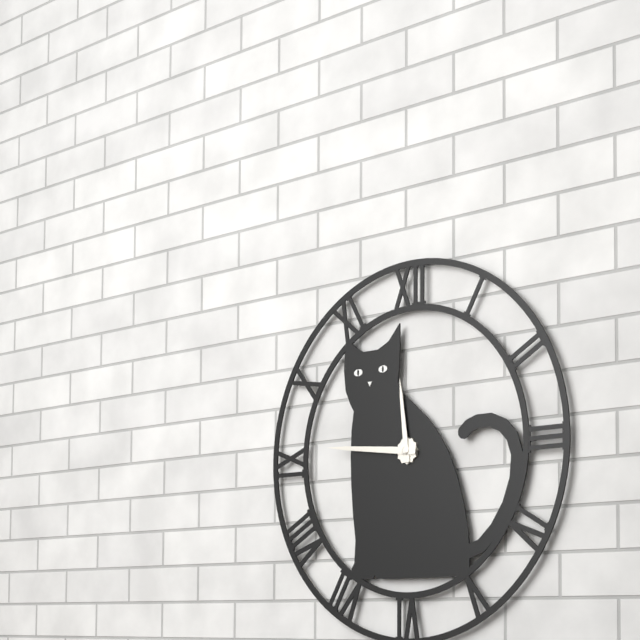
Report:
**11:46**
